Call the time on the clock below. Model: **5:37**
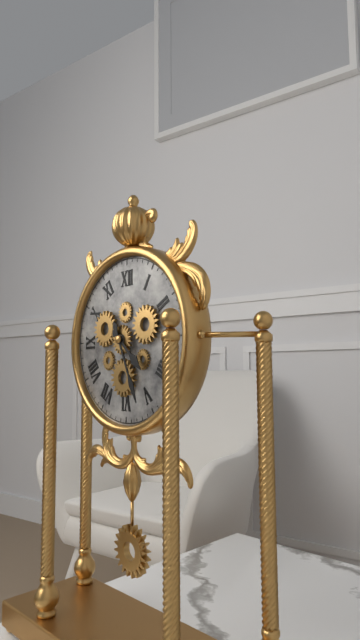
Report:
**4:26**
